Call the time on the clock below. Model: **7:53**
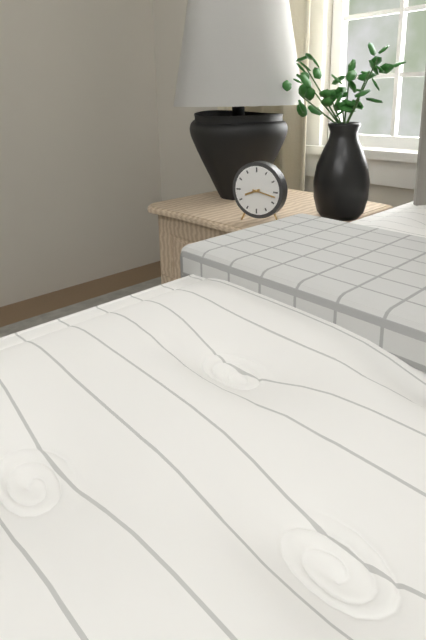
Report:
**8:17**
